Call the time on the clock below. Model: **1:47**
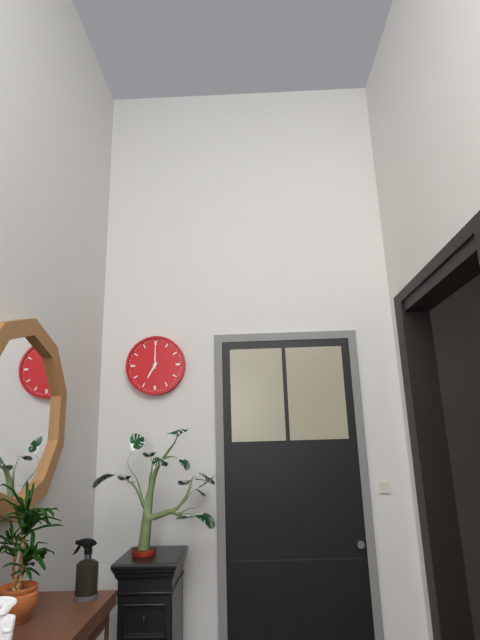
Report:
**7:00**
